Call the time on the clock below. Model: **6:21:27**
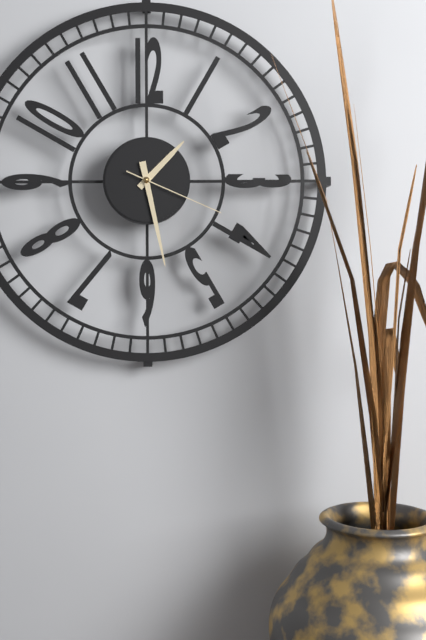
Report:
**1:28:19**
